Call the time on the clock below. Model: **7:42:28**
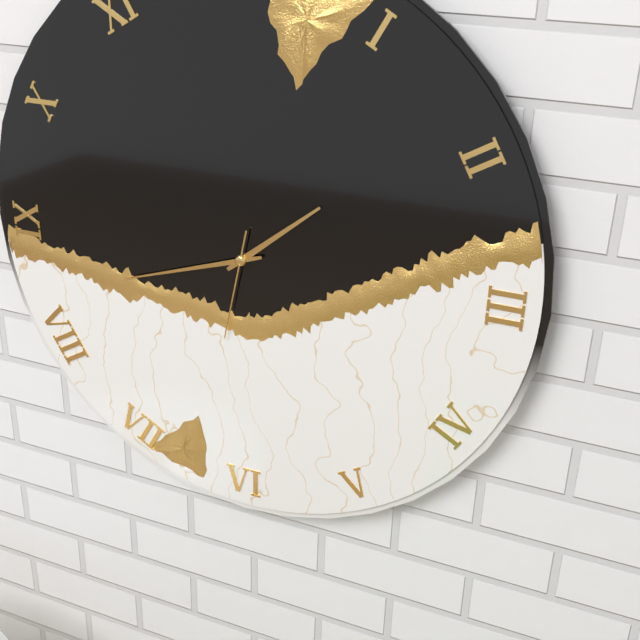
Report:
**1:42:32**
